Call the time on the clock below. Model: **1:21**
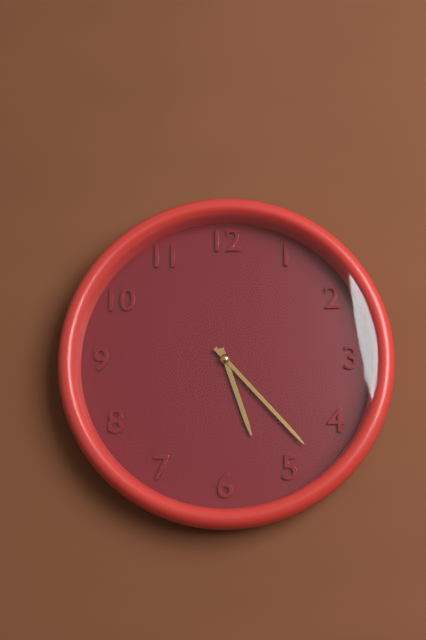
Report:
**5:23**
